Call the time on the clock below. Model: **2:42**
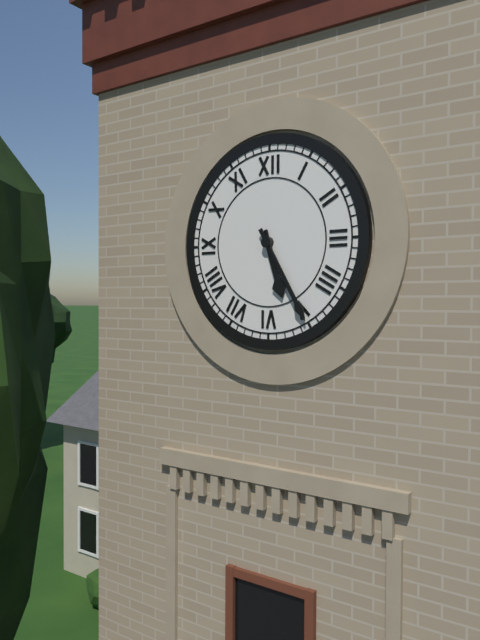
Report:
**5:25**
